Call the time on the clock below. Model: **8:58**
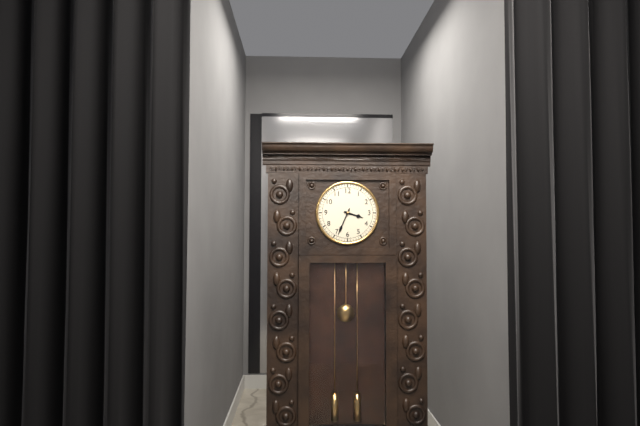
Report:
**3:34**
